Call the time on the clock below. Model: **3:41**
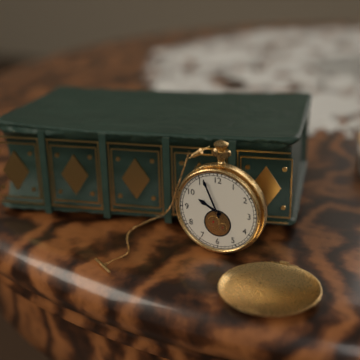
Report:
**9:56**
